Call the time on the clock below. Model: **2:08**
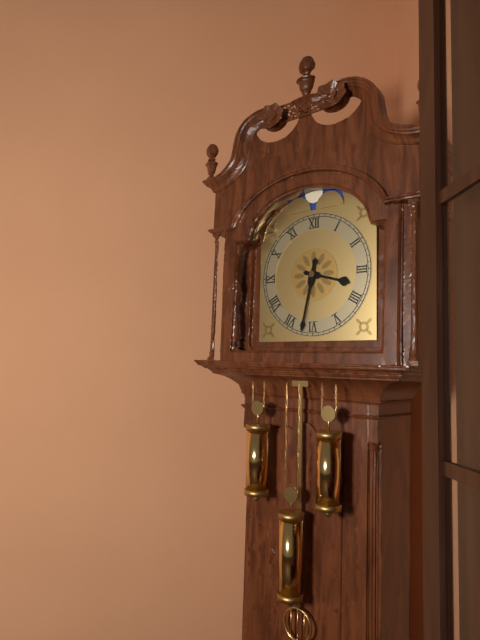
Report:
**3:32**
